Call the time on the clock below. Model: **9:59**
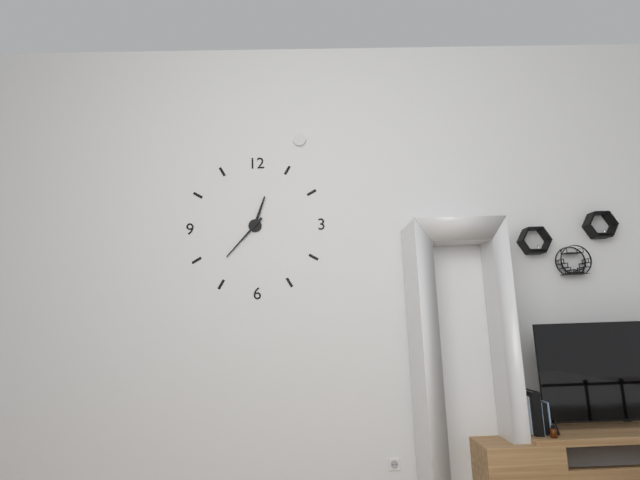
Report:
**12:37**
